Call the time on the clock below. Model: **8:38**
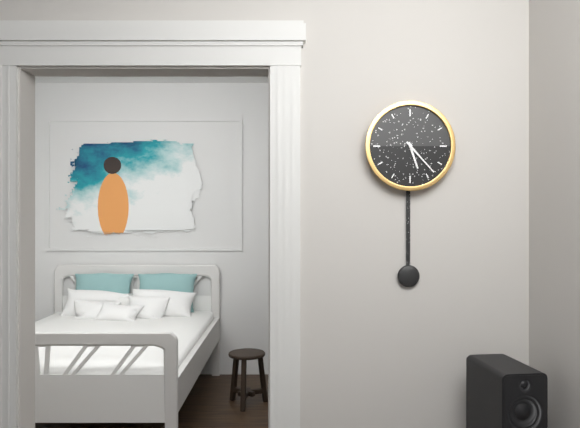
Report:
**5:23**
